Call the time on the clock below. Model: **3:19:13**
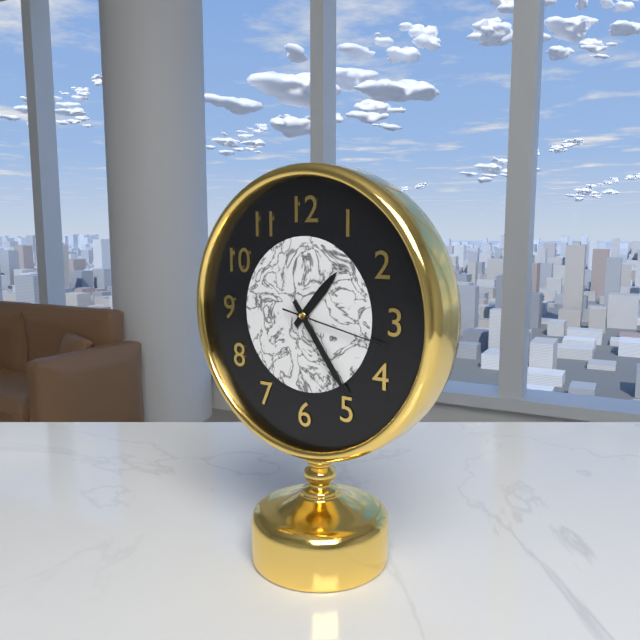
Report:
**1:24:17**
